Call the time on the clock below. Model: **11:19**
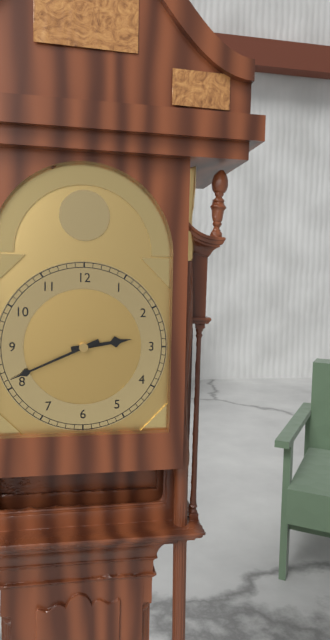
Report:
**2:41**
